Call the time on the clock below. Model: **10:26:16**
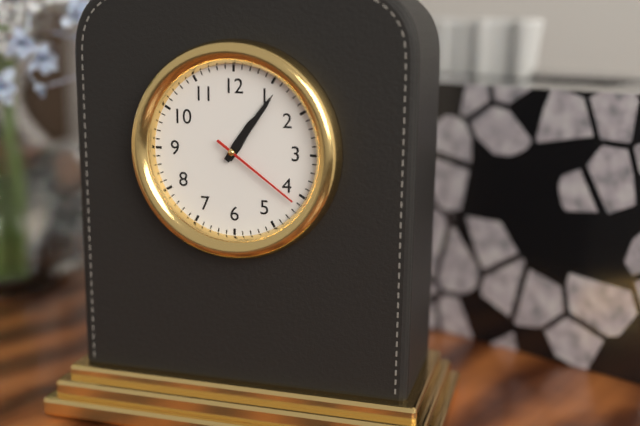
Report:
**1:06:21**
